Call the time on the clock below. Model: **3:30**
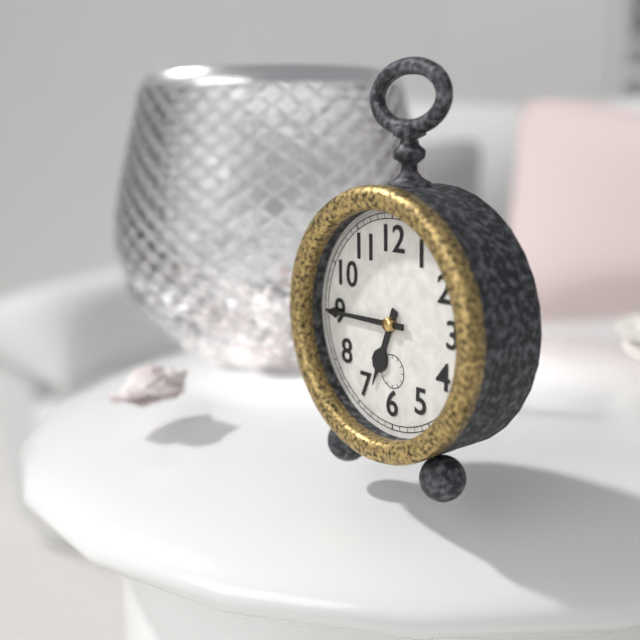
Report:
**6:45**
